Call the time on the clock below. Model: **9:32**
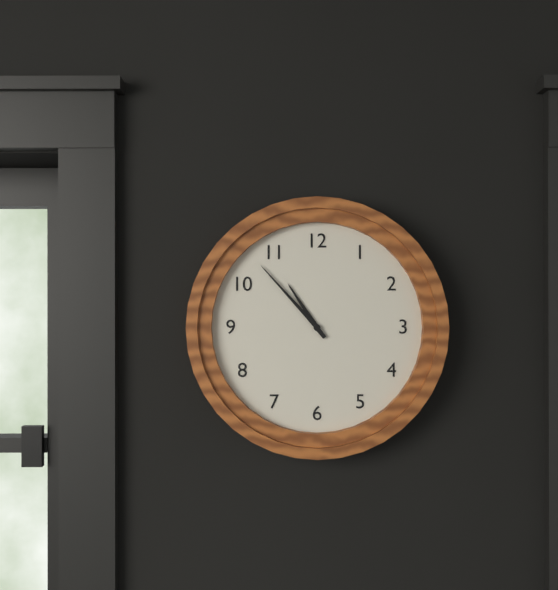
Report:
**10:53**
